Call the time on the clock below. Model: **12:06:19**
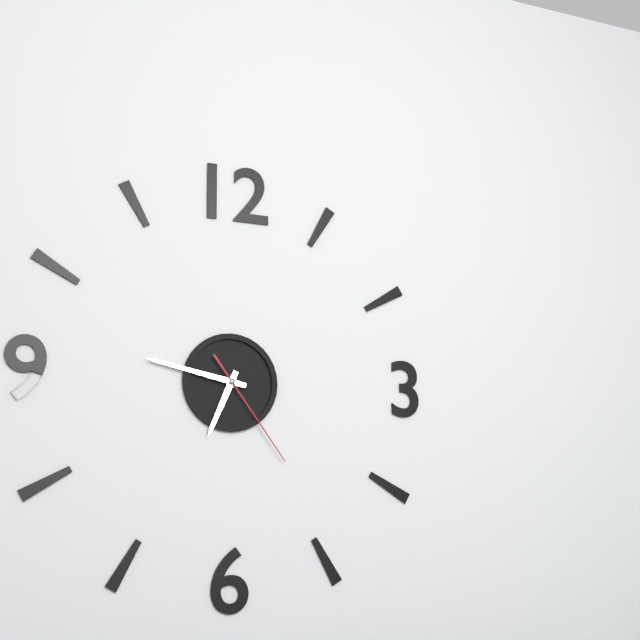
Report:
**6:47:24**
